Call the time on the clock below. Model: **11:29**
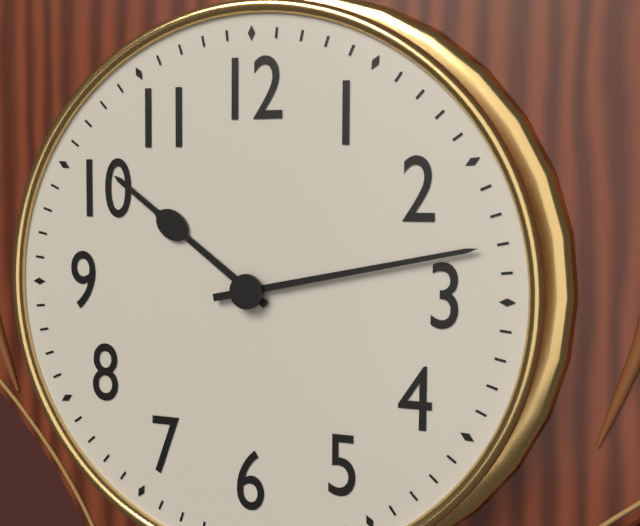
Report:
**10:13**
